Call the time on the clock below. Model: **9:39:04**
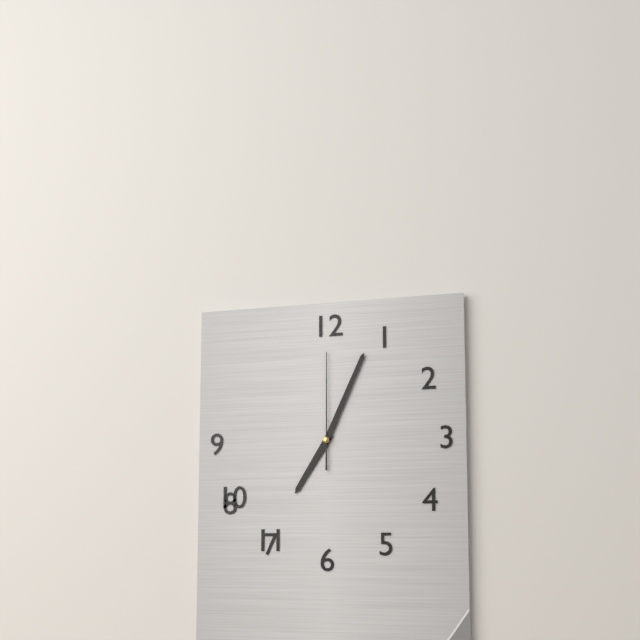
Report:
**7:04:00**
